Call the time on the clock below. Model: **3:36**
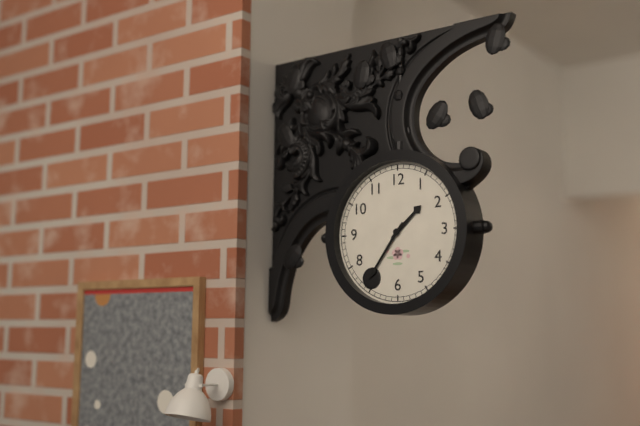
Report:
**1:36**
